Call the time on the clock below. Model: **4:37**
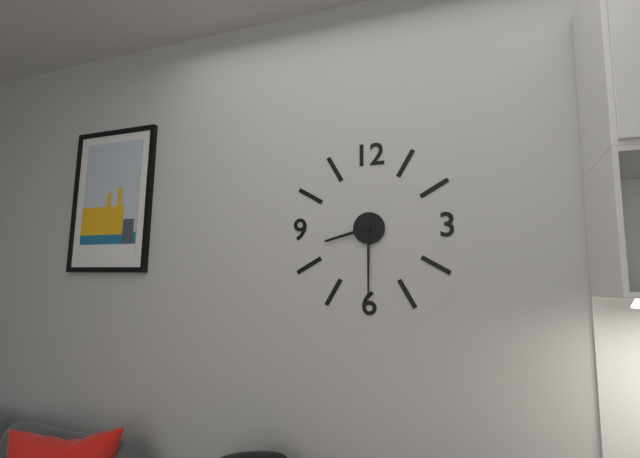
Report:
**8:30**
